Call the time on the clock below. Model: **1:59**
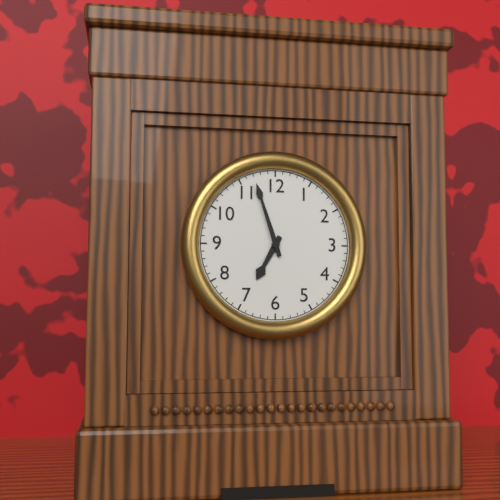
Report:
**6:57**
